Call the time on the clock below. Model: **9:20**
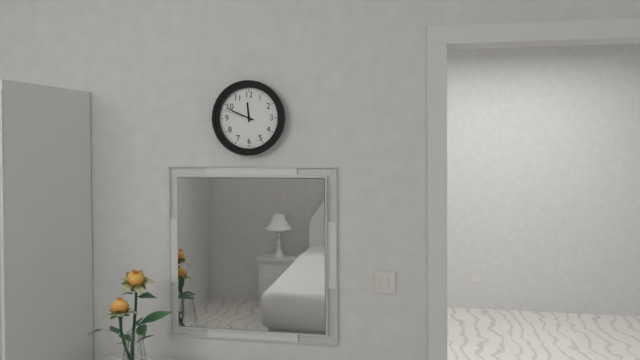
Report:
**11:49**
